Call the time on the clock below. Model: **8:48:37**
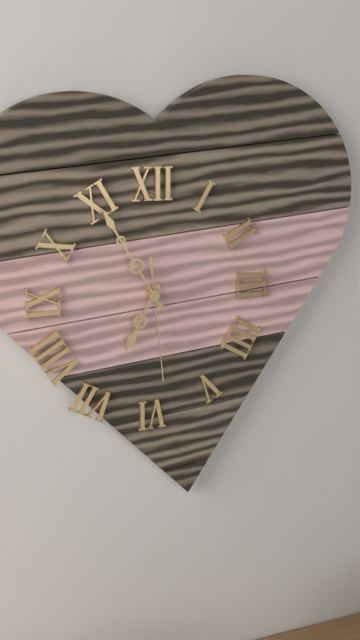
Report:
**6:55:29**
